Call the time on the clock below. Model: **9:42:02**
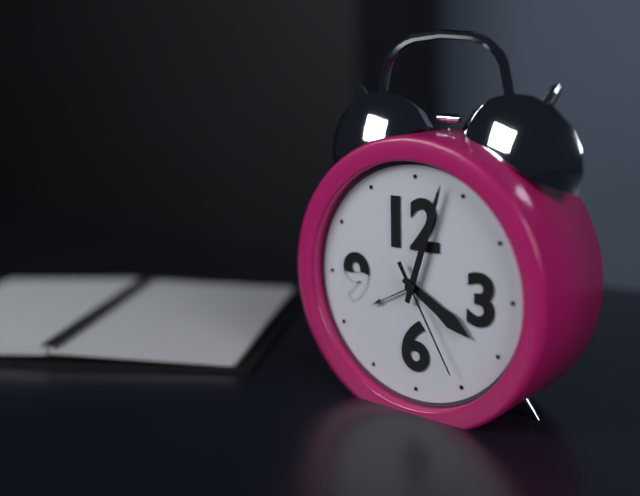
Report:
**4:03:25**
